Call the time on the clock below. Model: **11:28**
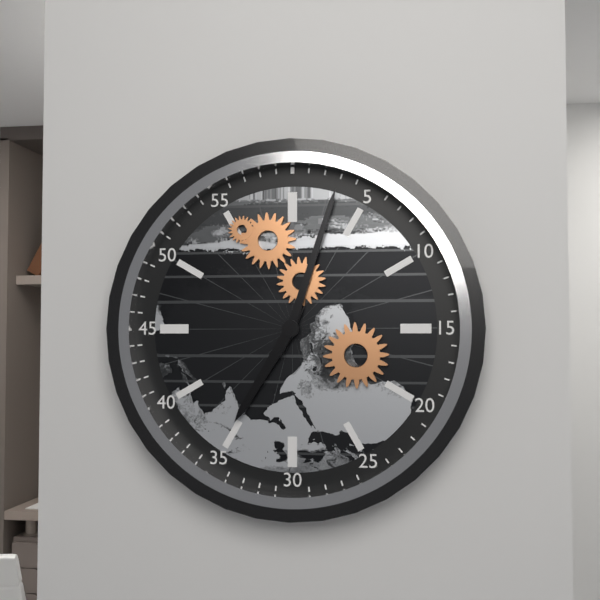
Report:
**7:03**
